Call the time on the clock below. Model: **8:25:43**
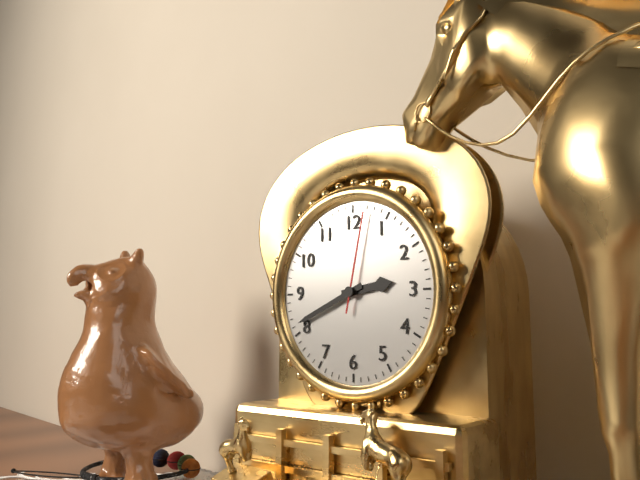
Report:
**2:41:02**
